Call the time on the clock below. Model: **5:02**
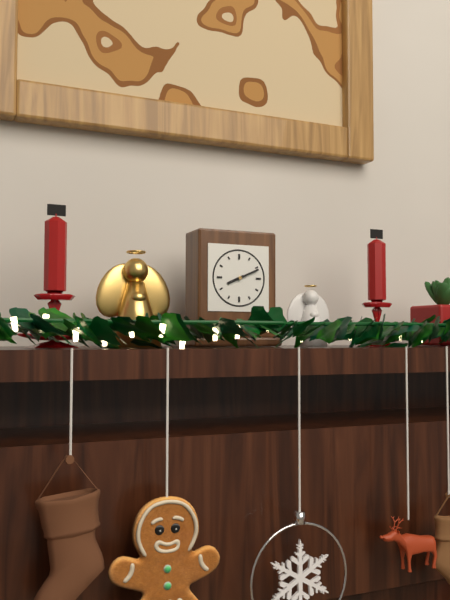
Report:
**8:11**
